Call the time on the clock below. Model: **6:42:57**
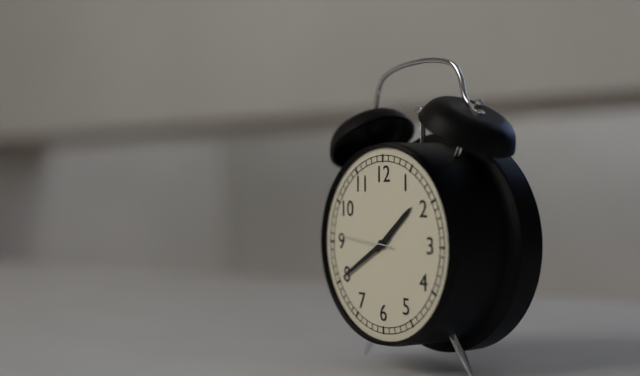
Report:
**1:40:46**
